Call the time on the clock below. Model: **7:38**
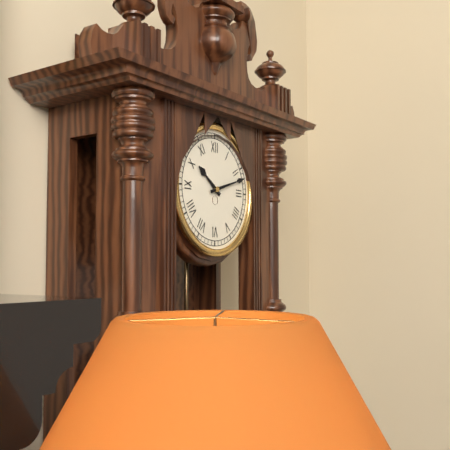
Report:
**10:12**
